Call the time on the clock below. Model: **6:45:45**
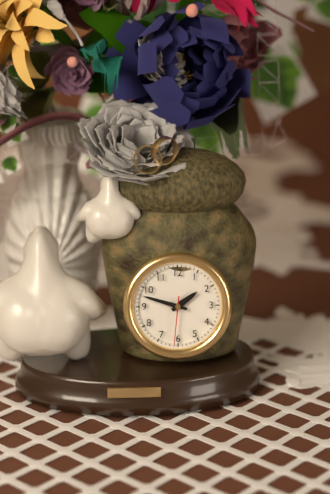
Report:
**1:48:31**
